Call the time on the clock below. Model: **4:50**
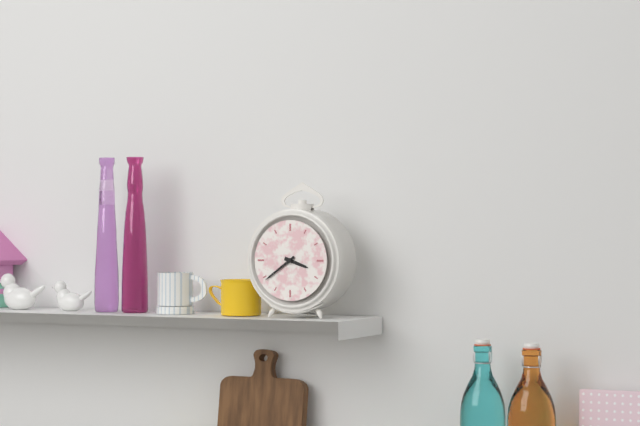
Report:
**3:39**
